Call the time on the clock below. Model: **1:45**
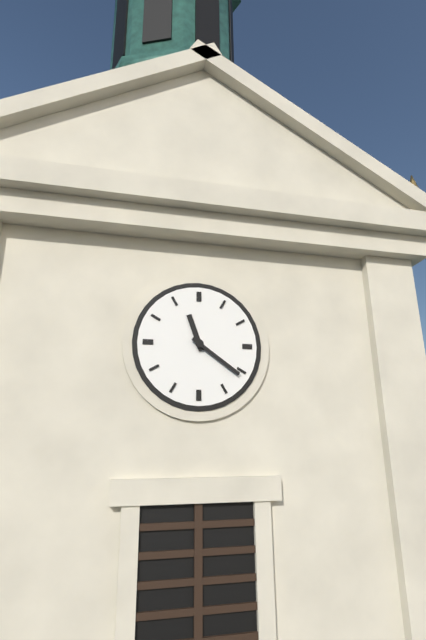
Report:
**11:21**
